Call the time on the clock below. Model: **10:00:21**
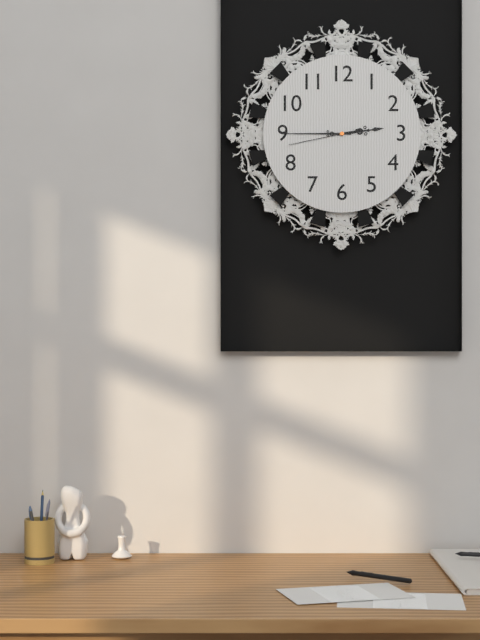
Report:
**2:45:43**
